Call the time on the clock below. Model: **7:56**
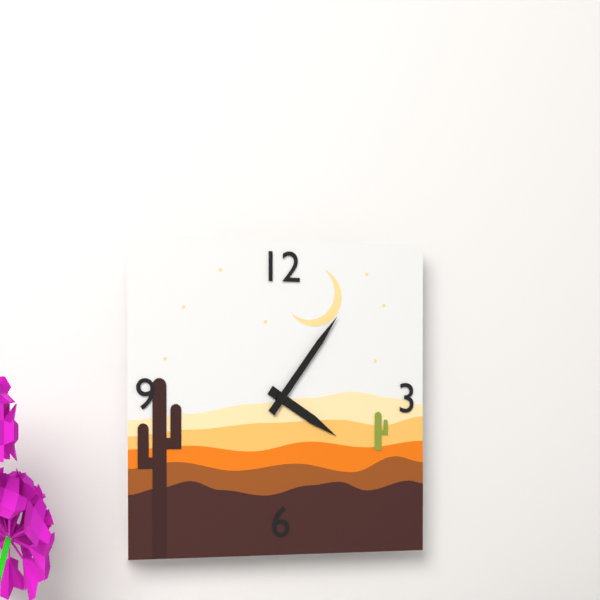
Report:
**4:06**
